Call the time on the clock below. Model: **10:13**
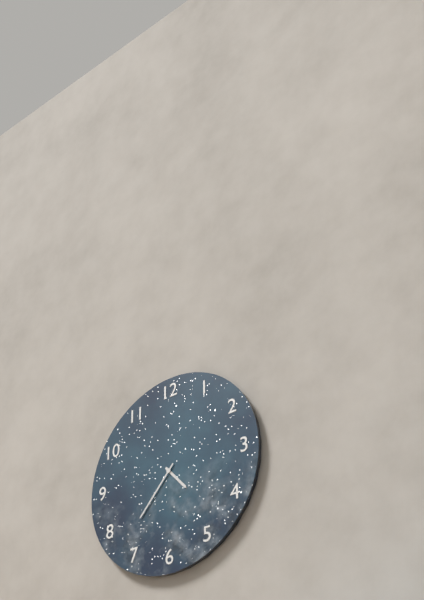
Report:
**4:37**
